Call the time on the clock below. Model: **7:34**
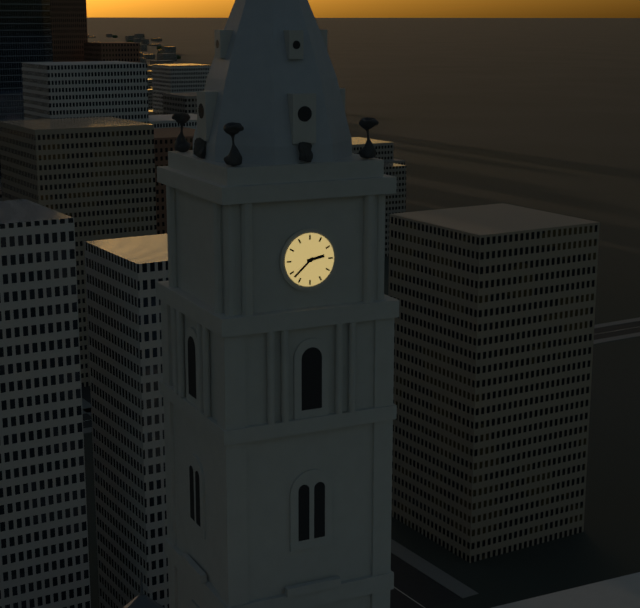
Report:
**2:38**
